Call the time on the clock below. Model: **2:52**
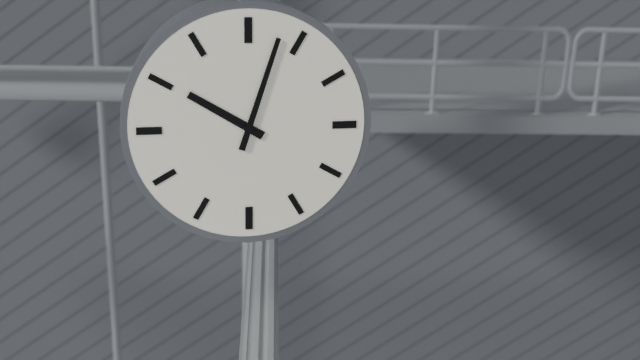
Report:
**10:03**
